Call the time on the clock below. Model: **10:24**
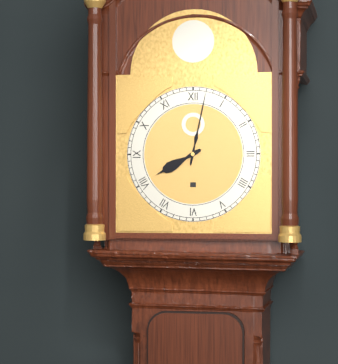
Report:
**8:02**
